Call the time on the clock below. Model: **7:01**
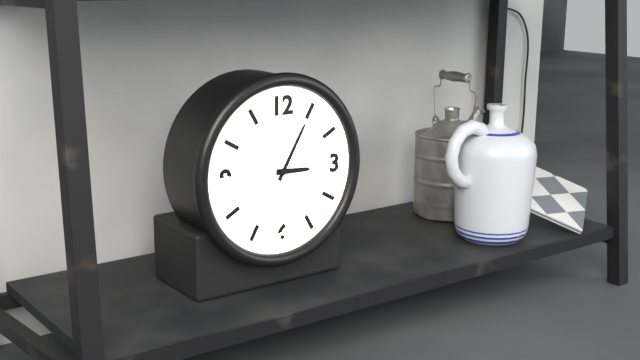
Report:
**3:05**
